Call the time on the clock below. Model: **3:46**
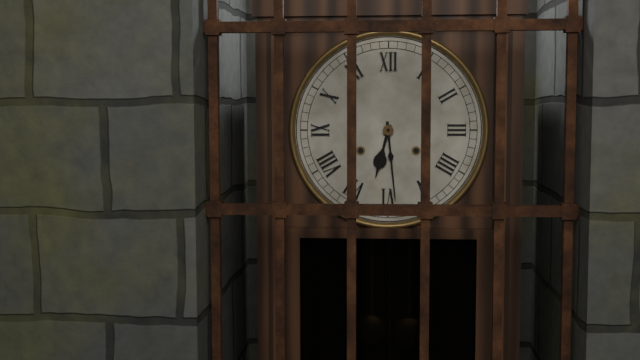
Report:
**6:29**
